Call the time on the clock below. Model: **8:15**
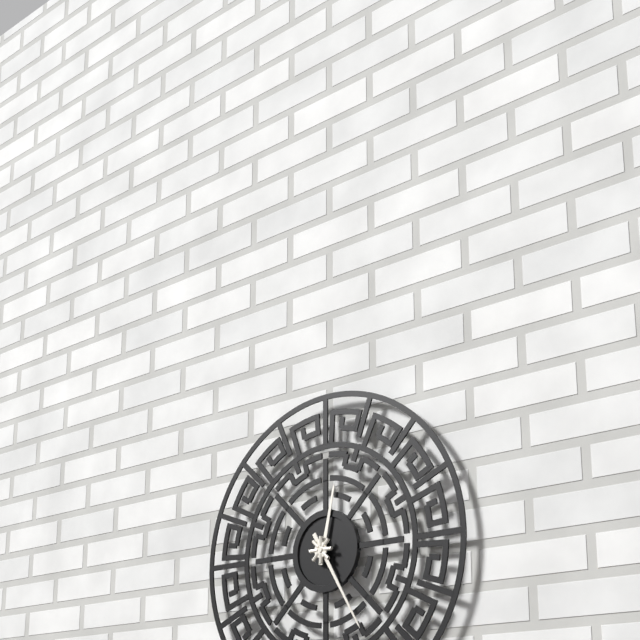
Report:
**12:25**
